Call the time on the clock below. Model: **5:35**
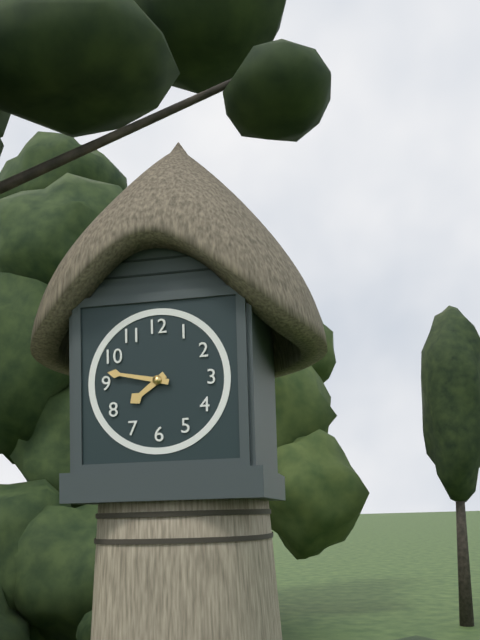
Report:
**7:47**
